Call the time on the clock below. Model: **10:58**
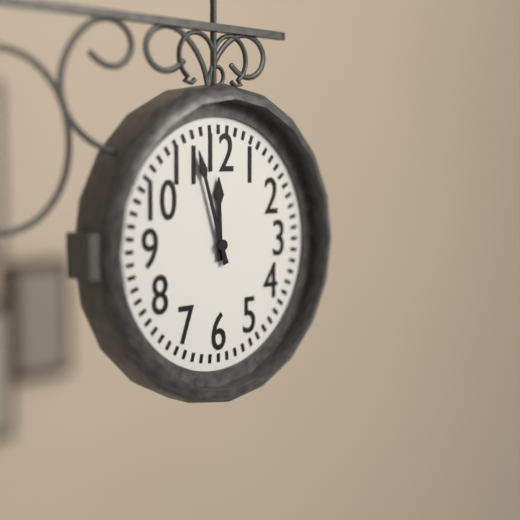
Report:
**11:57**
